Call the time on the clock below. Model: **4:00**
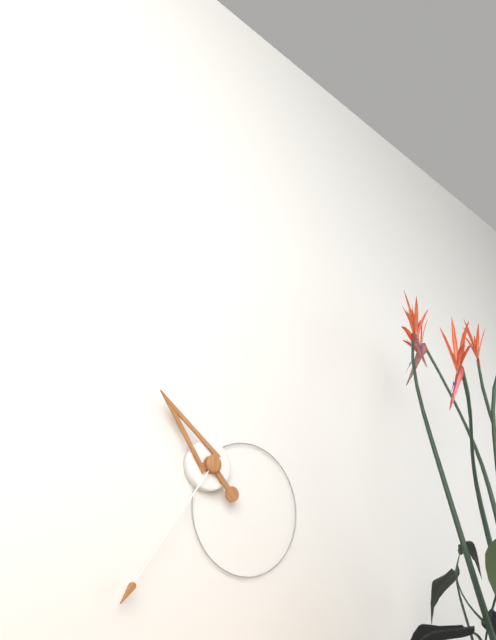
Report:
**10:36**
